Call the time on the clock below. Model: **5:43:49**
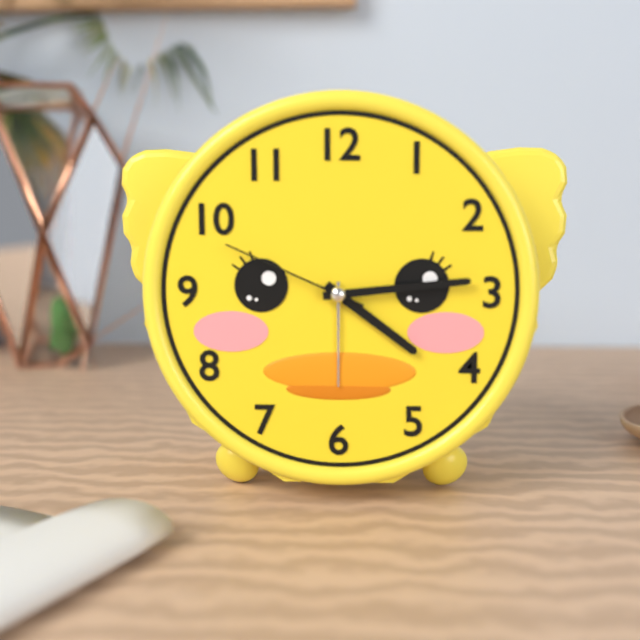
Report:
**4:14:49**
